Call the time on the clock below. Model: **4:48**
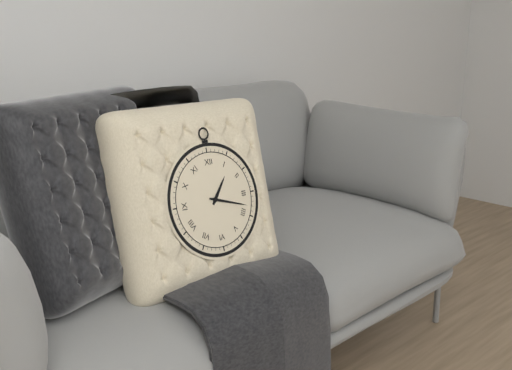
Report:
**1:18**
